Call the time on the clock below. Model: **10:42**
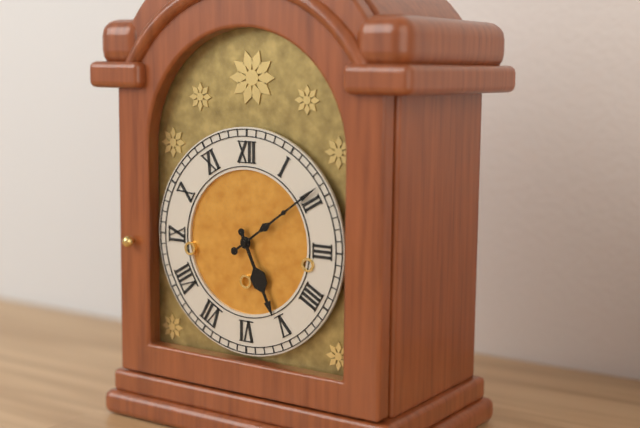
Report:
**5:09**
